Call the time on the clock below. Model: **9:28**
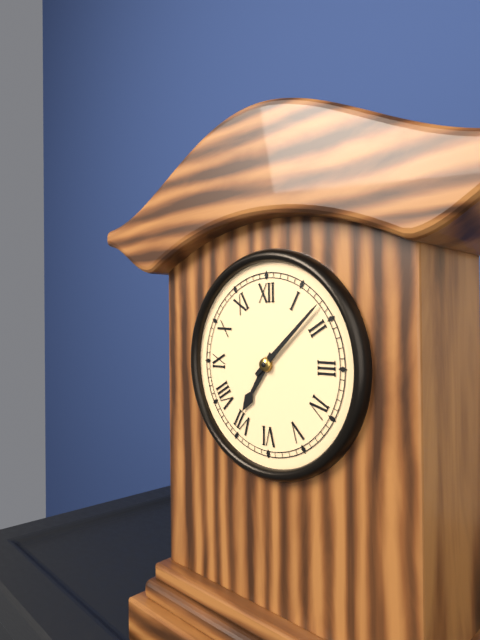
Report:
**7:08**
